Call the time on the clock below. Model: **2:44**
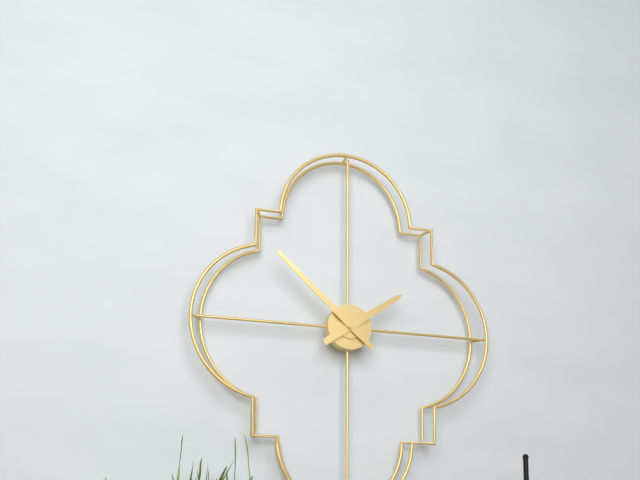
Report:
**1:52**
